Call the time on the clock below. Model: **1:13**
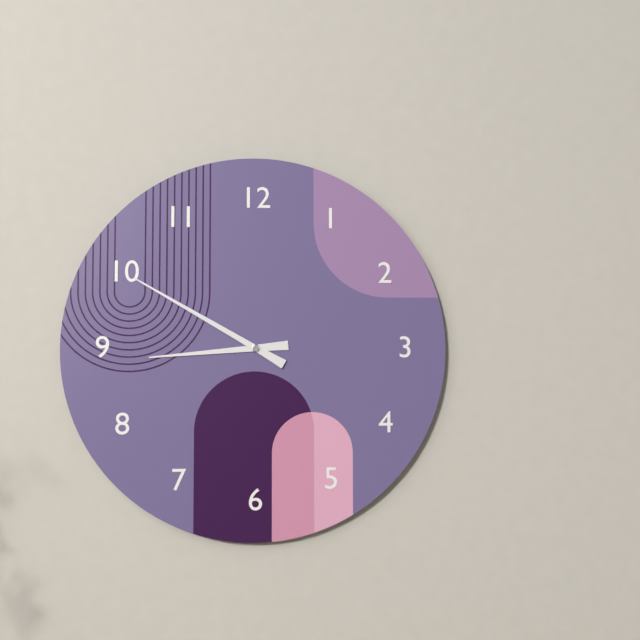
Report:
**8:50**
